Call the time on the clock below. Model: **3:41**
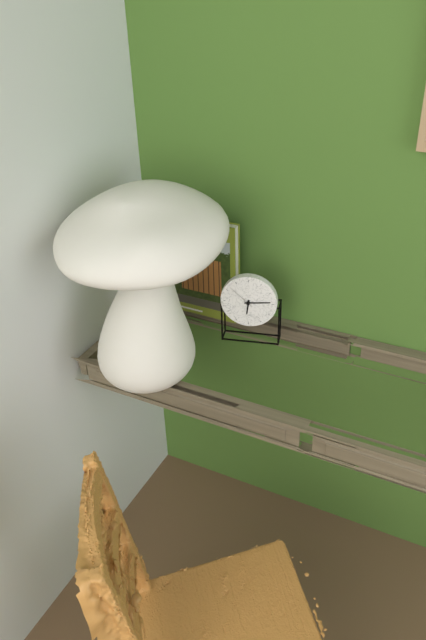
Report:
**6:14**
